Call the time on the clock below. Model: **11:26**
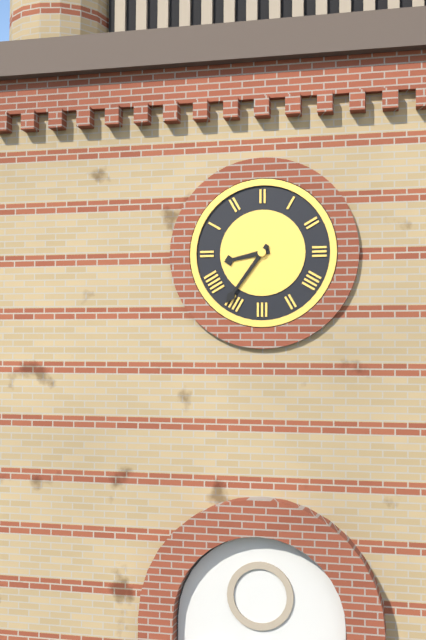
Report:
**8:36**
